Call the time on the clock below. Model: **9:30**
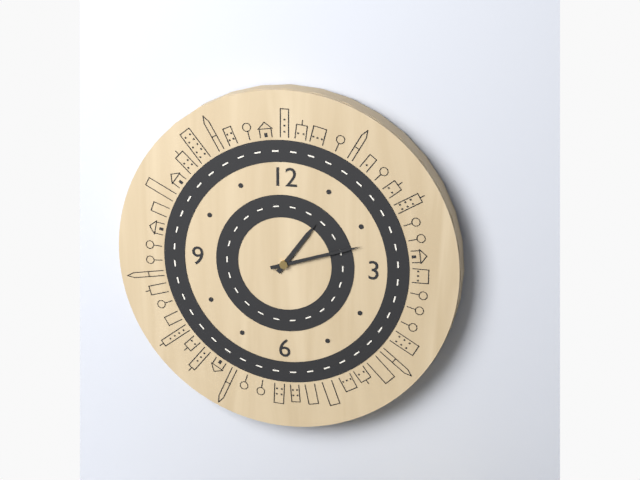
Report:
**1:12**
